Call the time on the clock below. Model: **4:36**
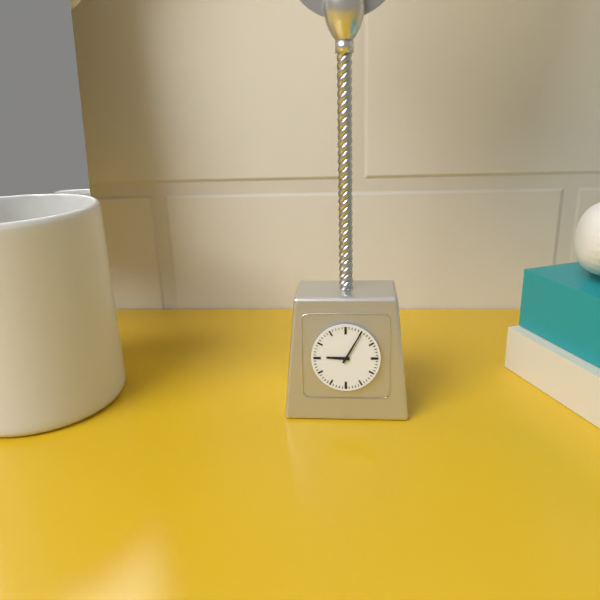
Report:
**9:05**
